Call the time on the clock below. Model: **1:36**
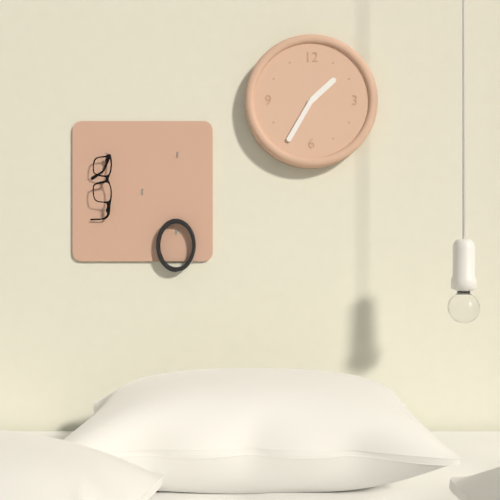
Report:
**1:35**
